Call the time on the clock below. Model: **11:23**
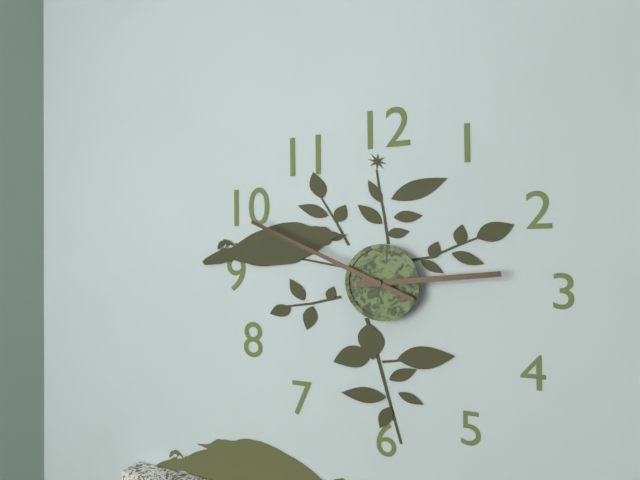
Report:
**2:49**
